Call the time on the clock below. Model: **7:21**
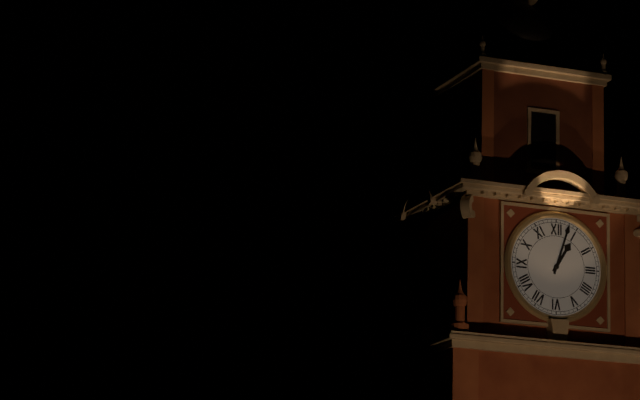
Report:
**1:03**
